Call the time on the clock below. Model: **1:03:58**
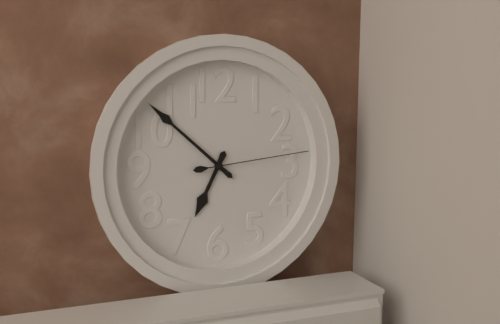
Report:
**6:52:14**
